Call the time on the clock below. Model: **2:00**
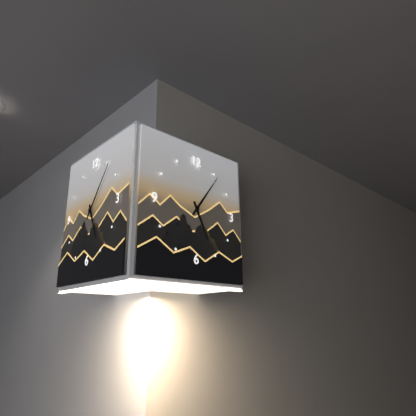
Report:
**5:06**
